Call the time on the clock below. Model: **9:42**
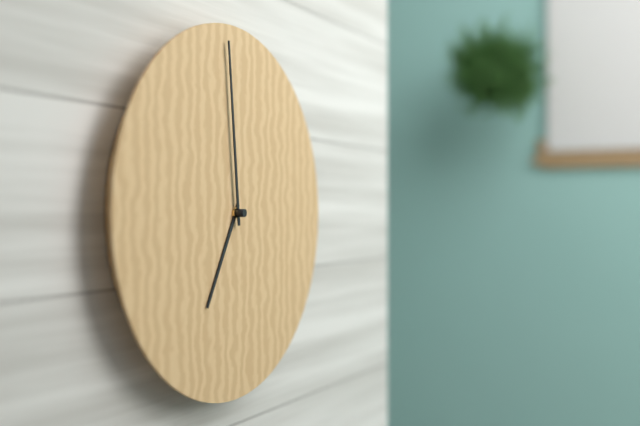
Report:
**6:59**
